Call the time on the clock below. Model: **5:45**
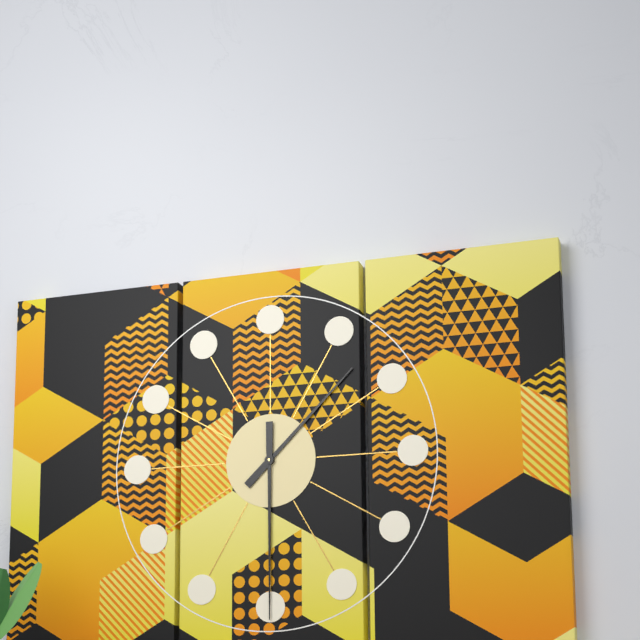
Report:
**1:30**
